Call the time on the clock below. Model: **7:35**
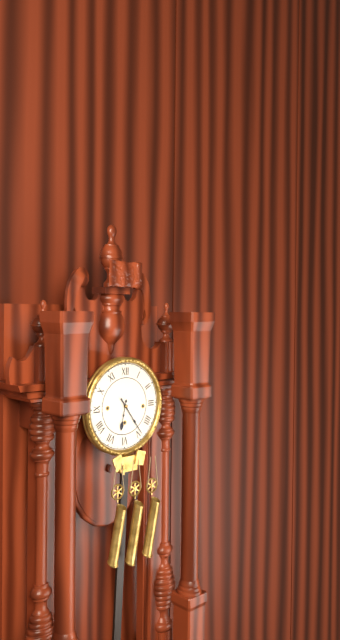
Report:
**6:24**
